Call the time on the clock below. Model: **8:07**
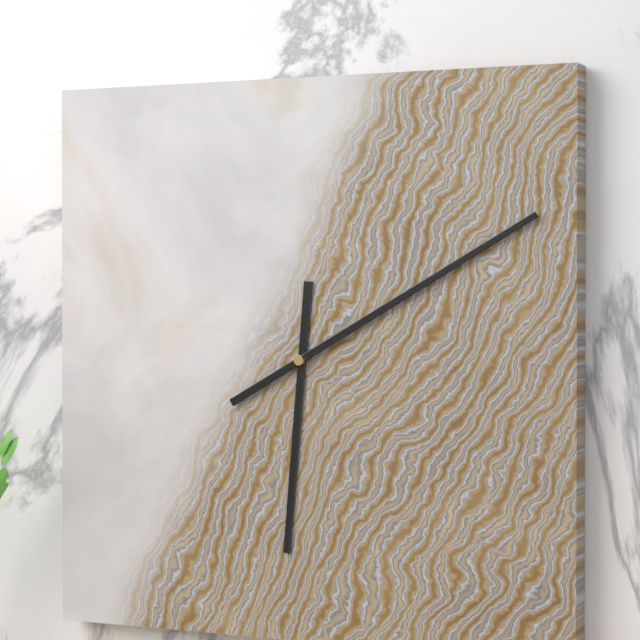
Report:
**6:10**
